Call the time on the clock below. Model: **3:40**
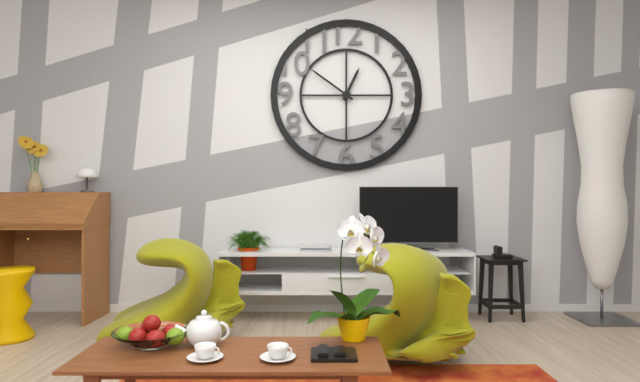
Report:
**12:51**
